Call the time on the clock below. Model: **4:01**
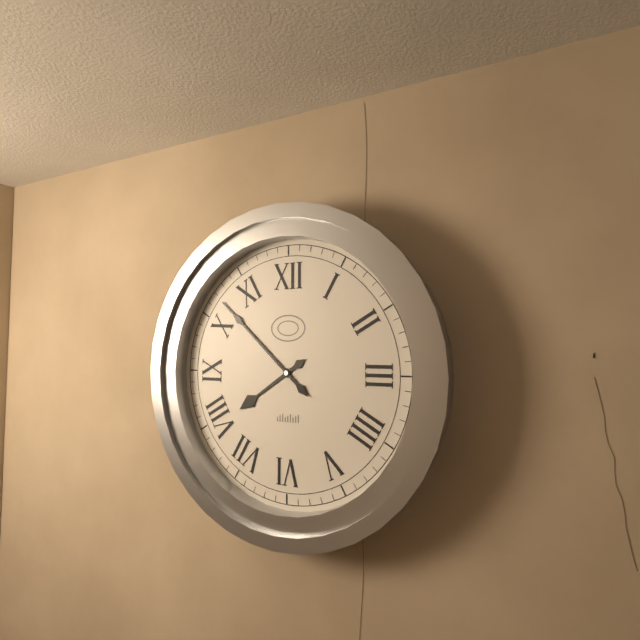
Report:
**7:52**
